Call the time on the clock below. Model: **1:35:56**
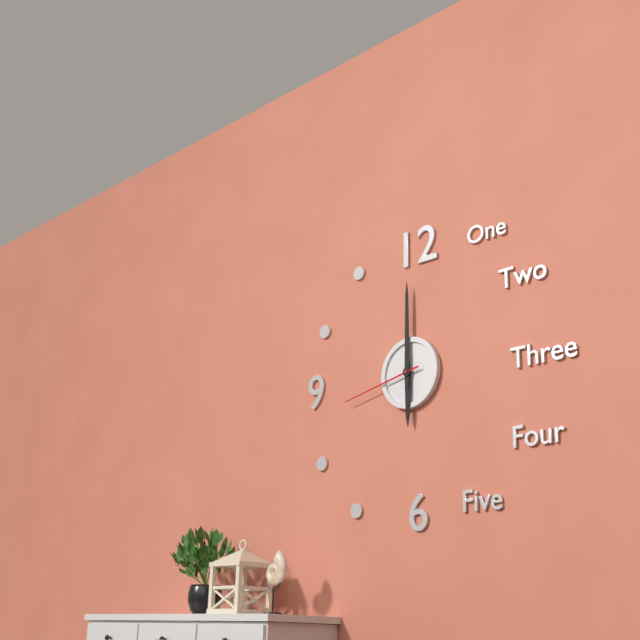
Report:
**6:00:43**
